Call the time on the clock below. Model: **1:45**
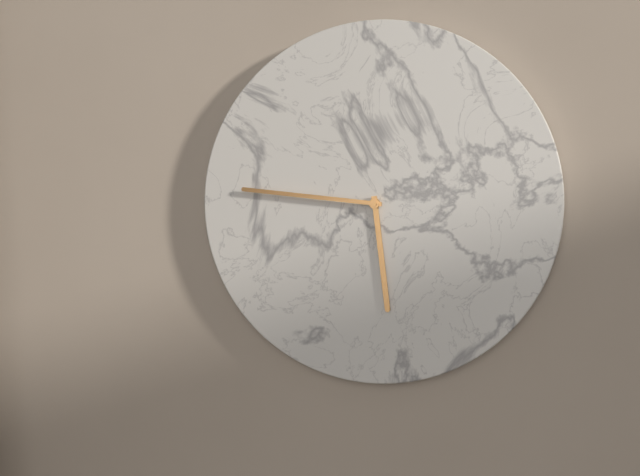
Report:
**5:46**
